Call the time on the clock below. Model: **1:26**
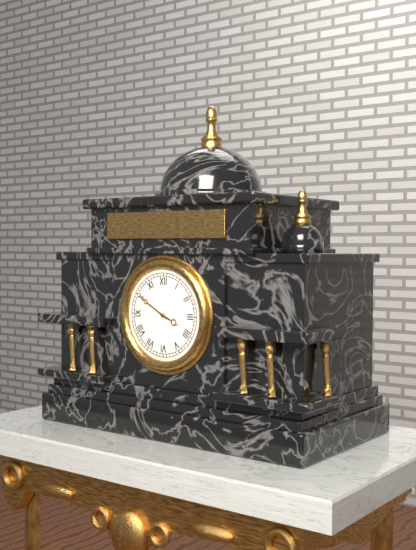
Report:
**3:50**
